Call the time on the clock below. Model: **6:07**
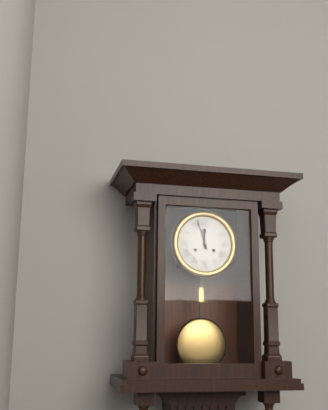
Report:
**11:57**
